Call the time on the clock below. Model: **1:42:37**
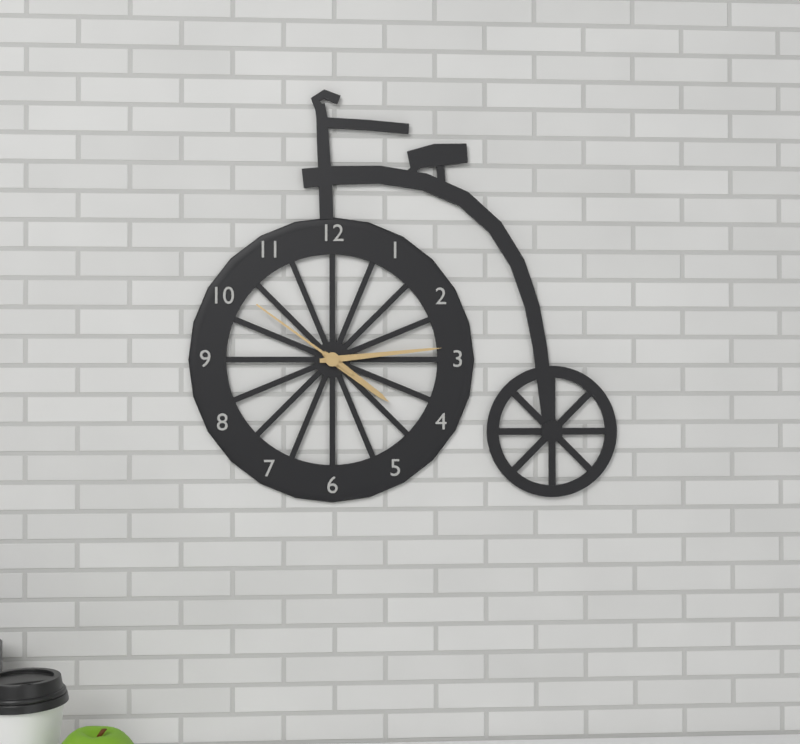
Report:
**4:14:51**
